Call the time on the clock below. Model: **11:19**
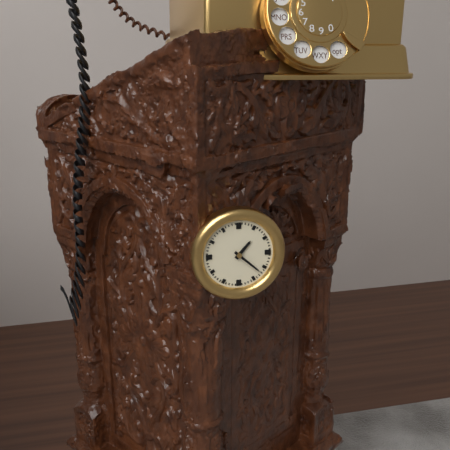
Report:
**1:22**
